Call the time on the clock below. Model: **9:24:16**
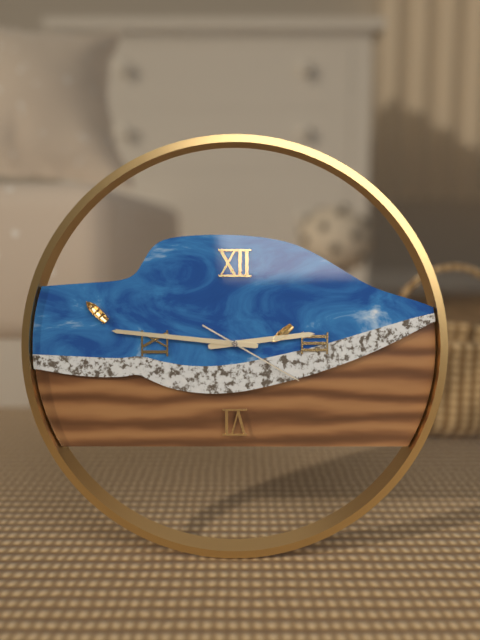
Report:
**2:46:20**
